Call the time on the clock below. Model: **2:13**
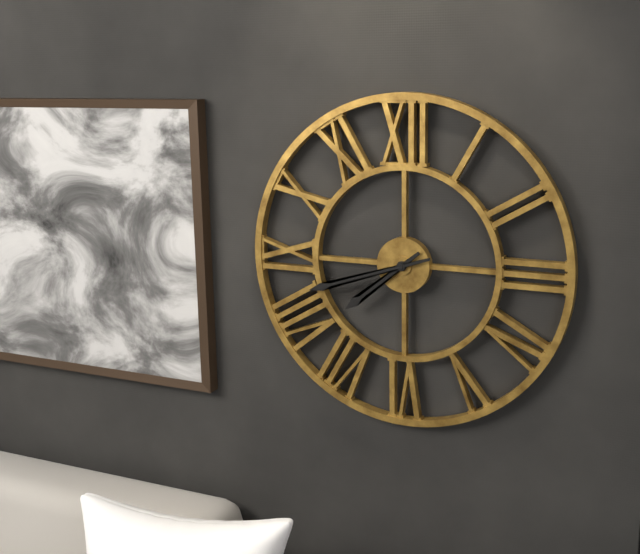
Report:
**7:42**
